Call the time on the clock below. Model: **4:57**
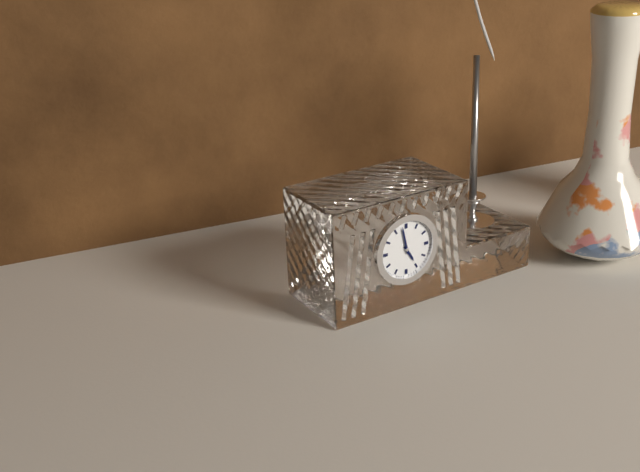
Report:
**4:58**
